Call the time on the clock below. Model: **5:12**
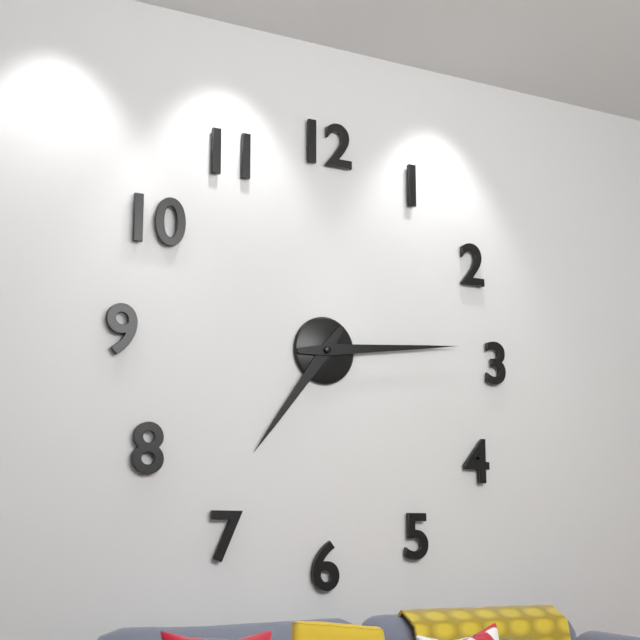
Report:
**7:14**
